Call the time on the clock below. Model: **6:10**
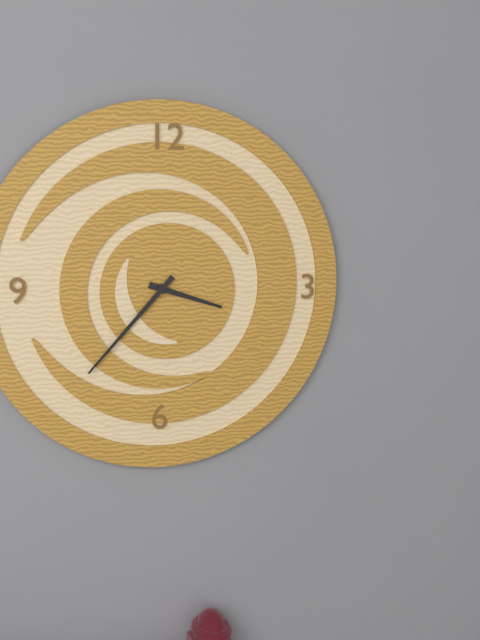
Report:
**3:37**
